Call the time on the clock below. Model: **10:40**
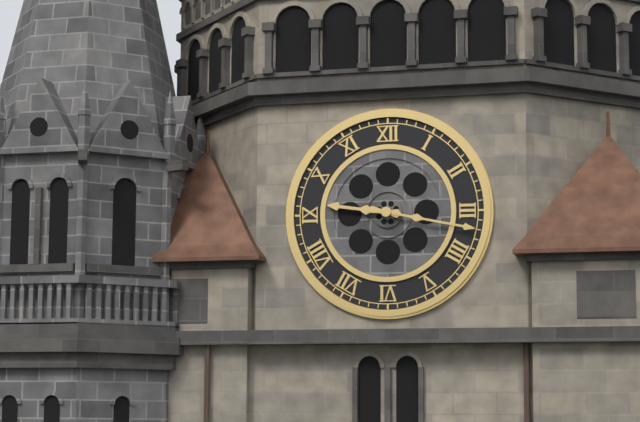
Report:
**9:17**
